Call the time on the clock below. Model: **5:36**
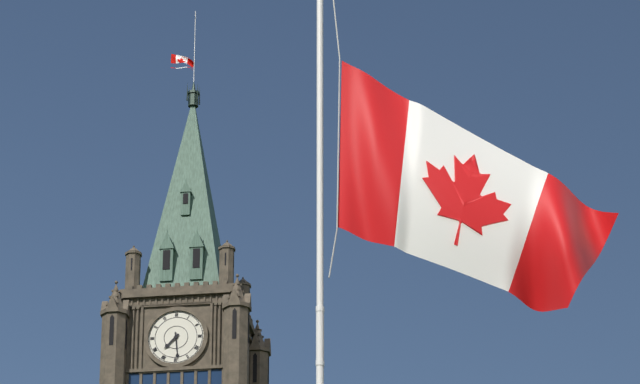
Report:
**7:29**
